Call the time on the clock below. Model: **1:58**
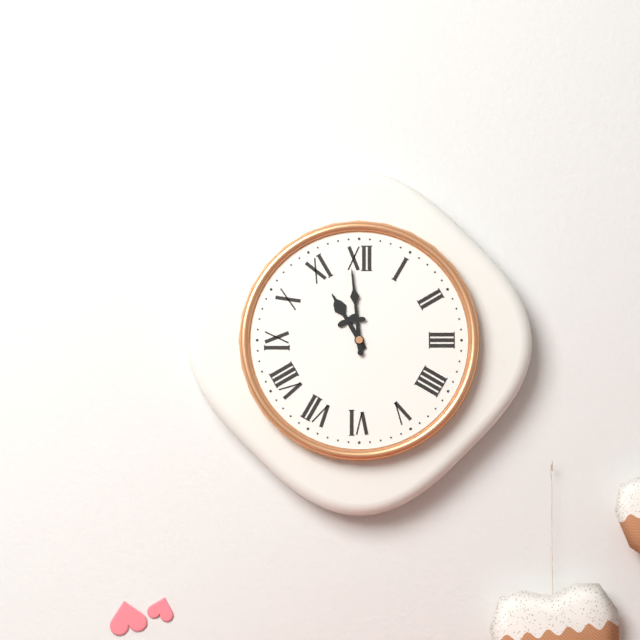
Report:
**10:59**
